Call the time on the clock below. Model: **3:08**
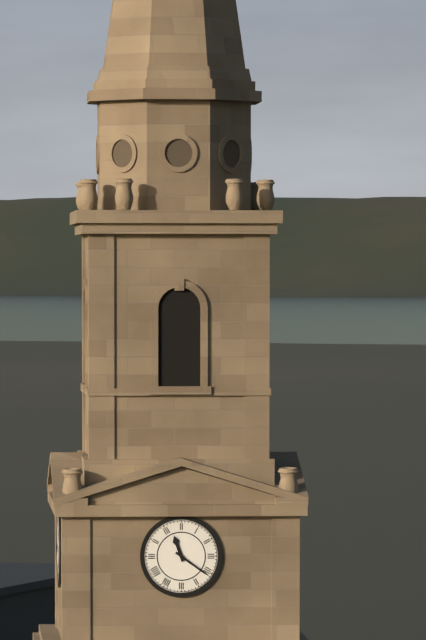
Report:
**11:21**
